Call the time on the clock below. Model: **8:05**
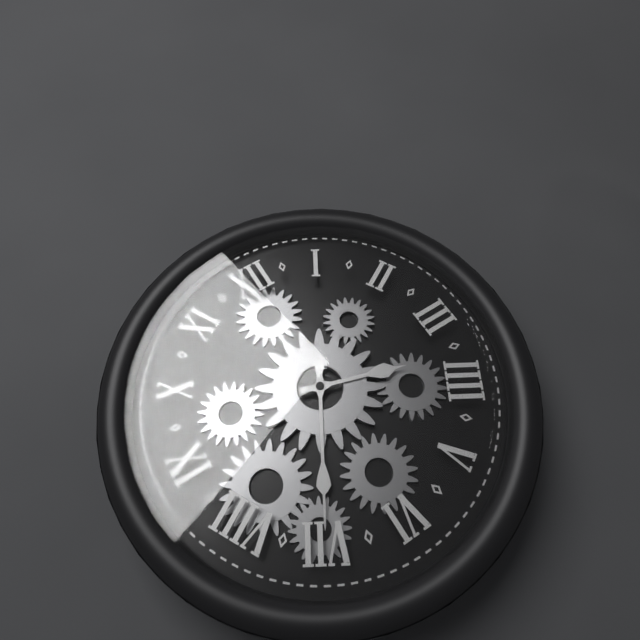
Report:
**3:35**
